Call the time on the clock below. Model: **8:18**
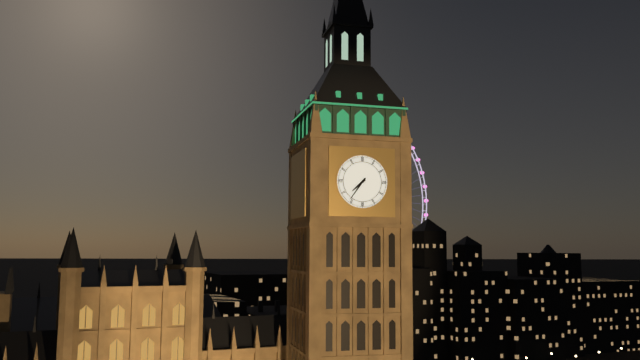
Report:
**7:36**
